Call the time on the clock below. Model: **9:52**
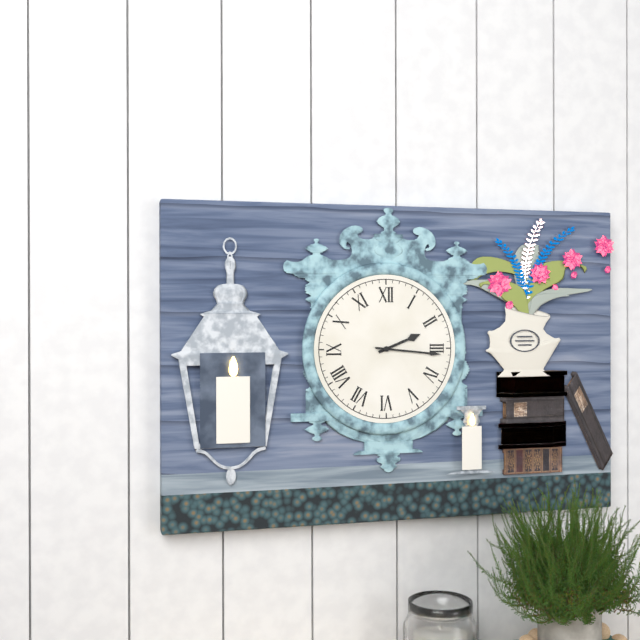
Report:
**2:16**
